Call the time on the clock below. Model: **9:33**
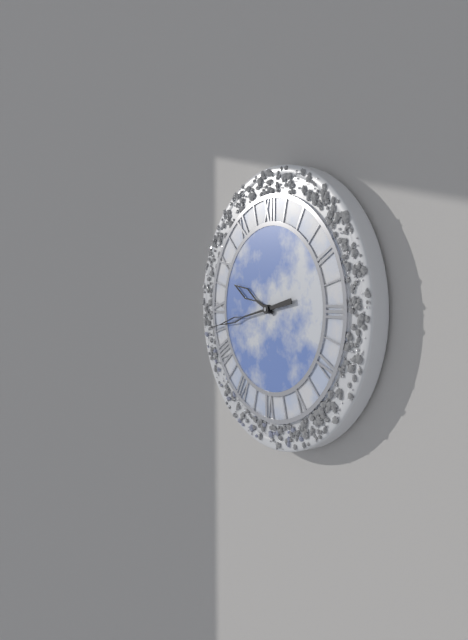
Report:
**9:43**
